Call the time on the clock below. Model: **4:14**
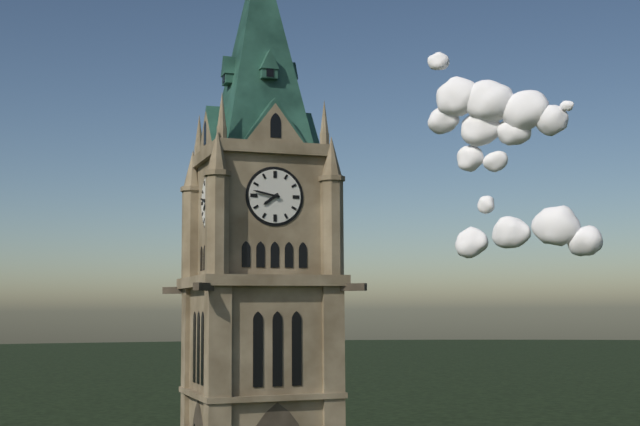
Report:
**7:47**
